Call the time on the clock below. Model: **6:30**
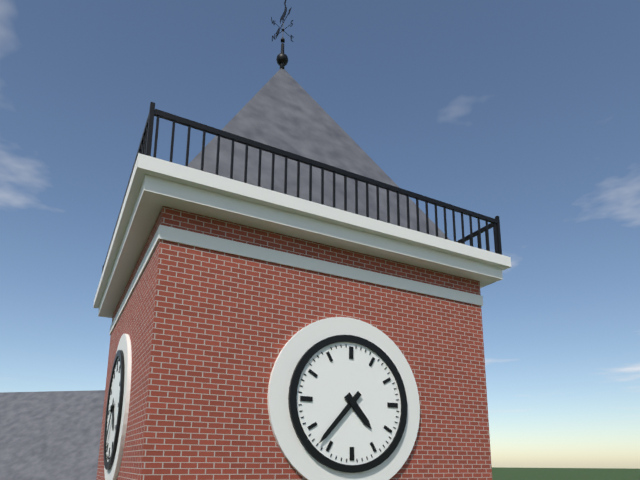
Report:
**4:37**
